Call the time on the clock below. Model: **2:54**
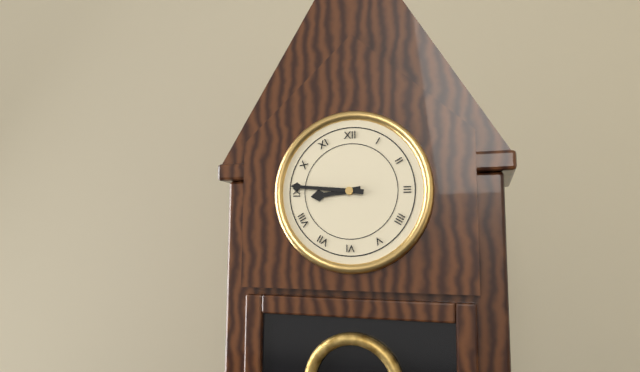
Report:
**8:46**
